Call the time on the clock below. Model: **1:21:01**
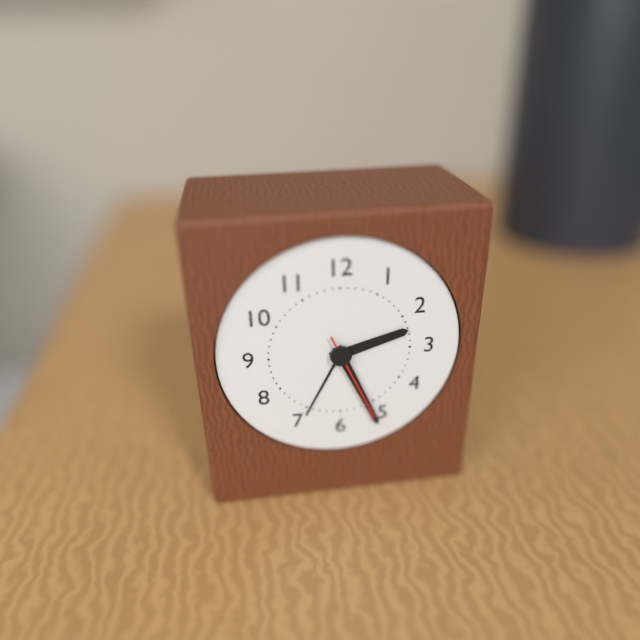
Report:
**2:26:26**
